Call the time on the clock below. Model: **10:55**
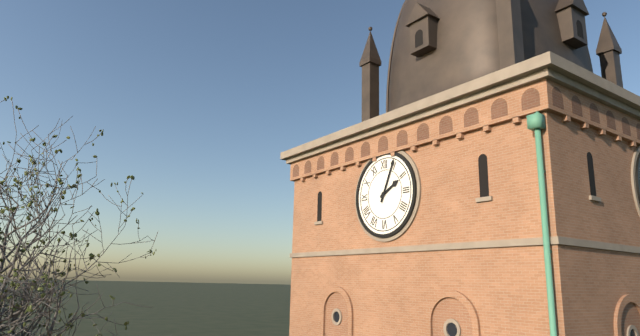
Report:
**2:04**
